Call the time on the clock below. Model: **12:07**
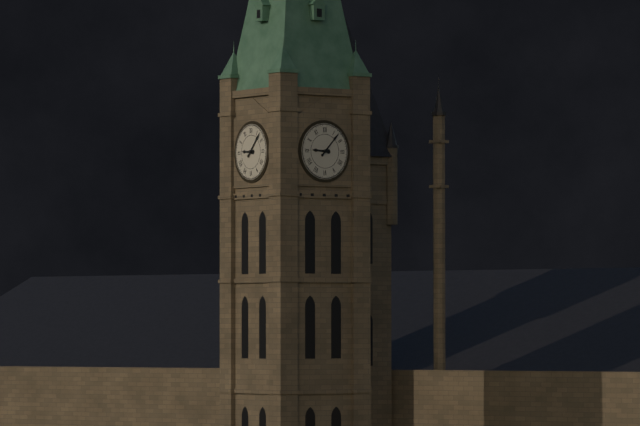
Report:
**9:07**
